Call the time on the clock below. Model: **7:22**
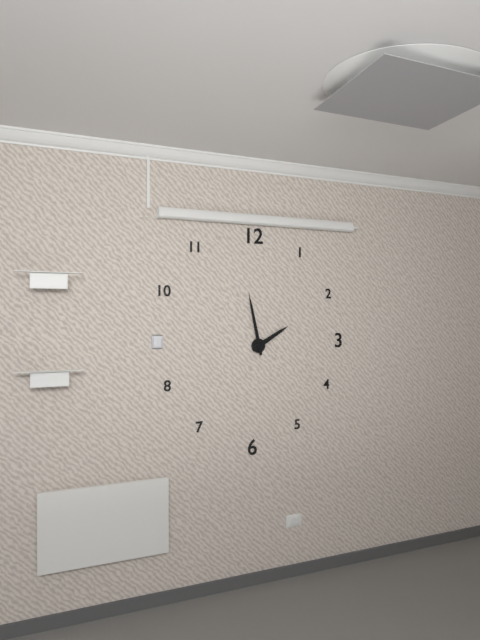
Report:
**1:58**
